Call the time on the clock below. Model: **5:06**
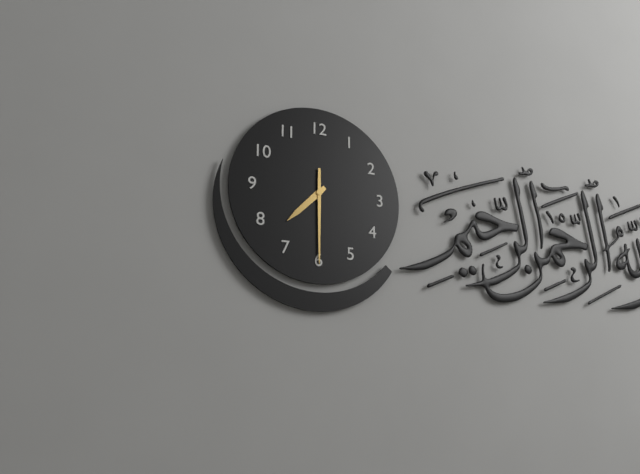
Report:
**7:30**
